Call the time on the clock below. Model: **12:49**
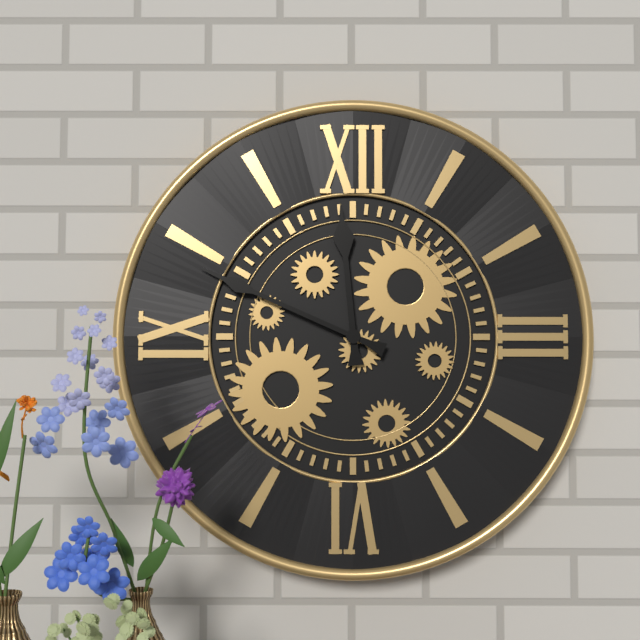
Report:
**11:49**
